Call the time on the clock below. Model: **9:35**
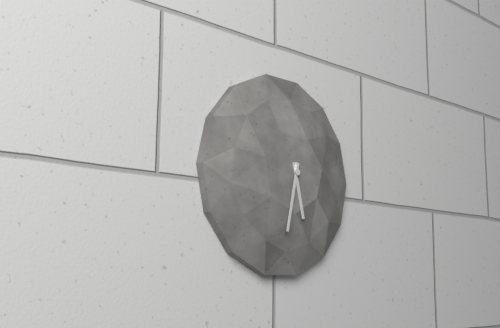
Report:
**5:32**
